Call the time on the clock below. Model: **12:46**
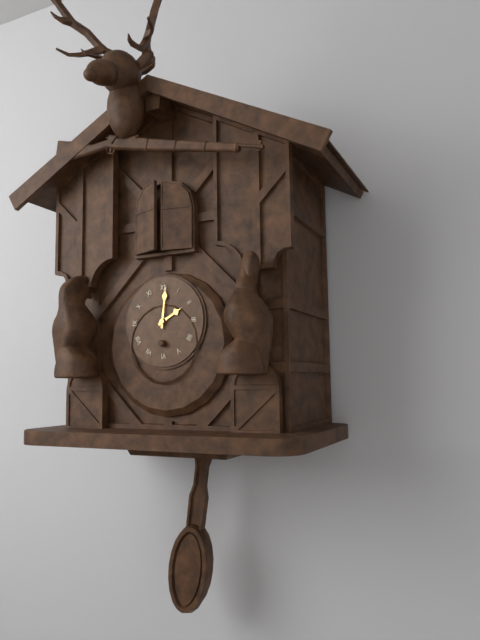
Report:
**2:01**
